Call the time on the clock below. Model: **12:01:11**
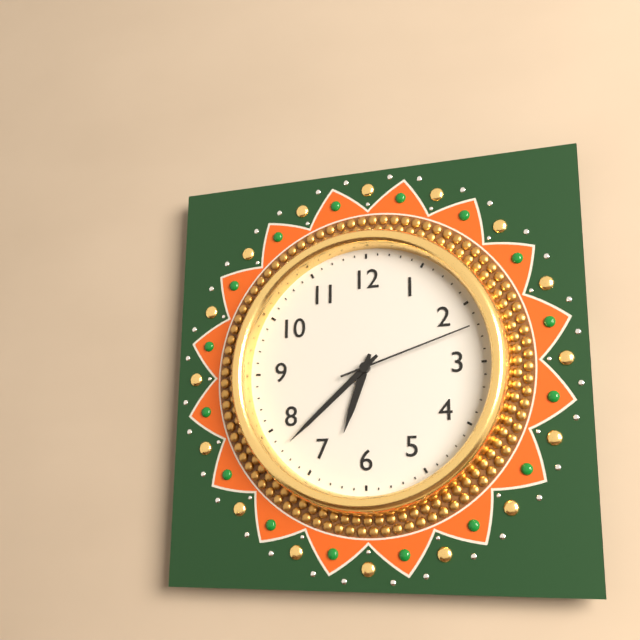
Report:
**6:38:12**
